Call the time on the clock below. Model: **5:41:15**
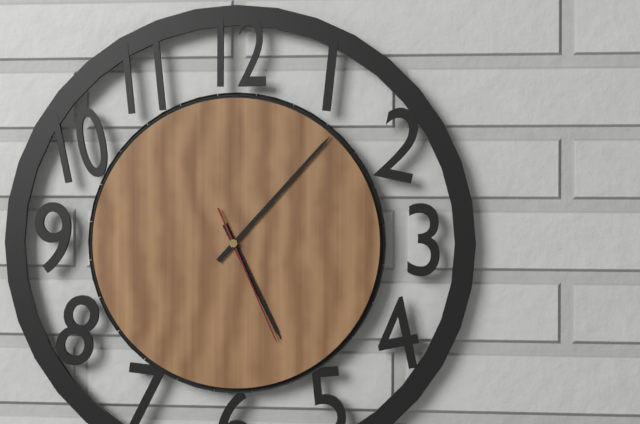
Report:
**5:07:26**
